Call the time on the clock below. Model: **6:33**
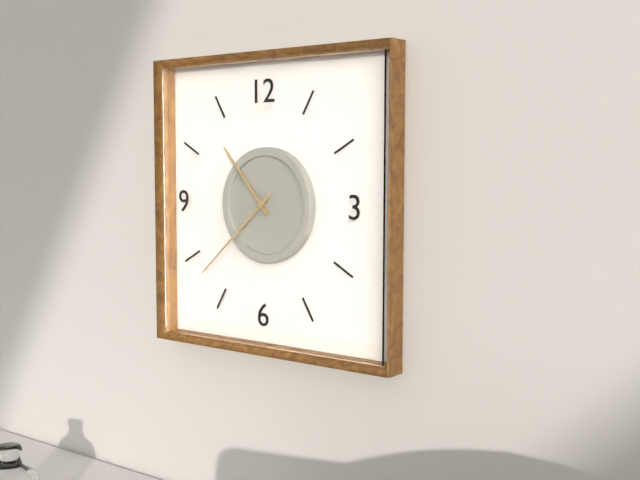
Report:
**10:38**
